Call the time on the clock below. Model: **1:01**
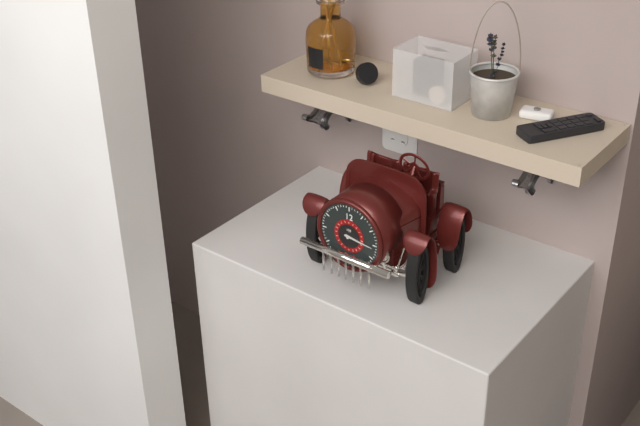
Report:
**3:16**
